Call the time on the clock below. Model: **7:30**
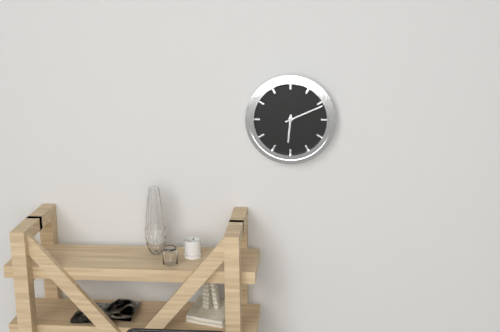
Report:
**6:11**
